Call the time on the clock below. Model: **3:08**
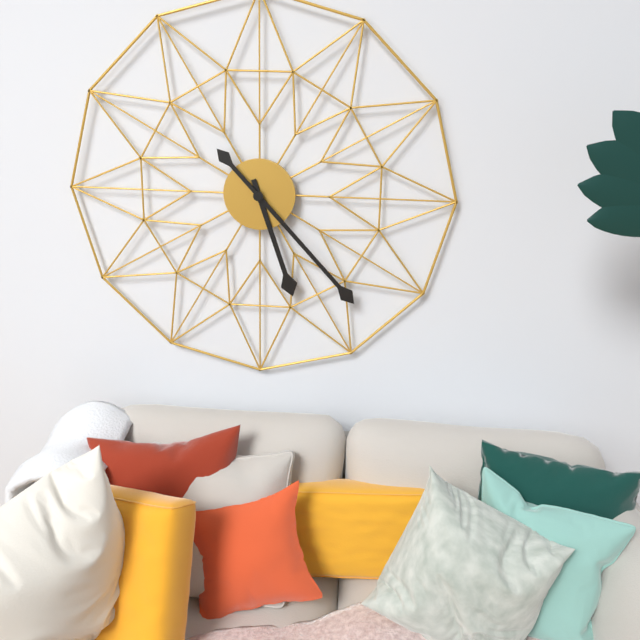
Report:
**5:23**
